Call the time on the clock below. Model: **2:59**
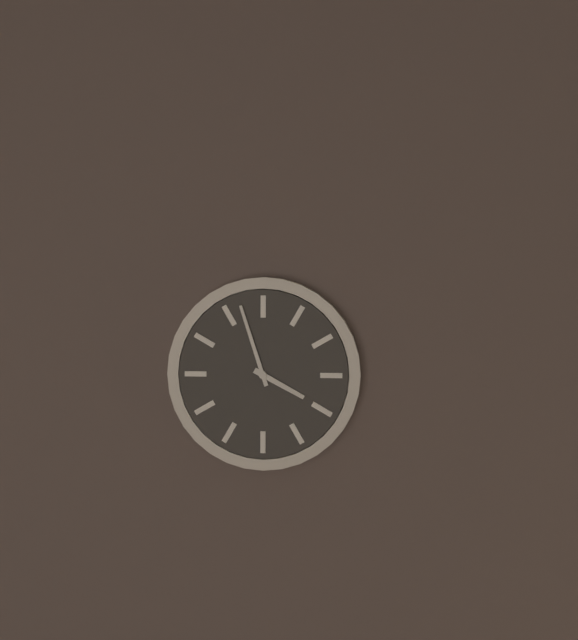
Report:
**3:57**
